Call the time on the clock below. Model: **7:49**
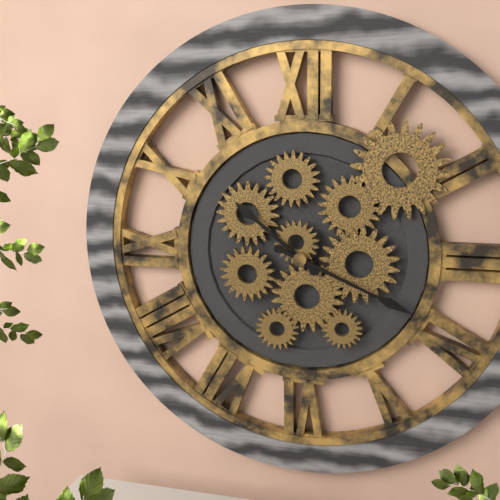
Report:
**10:19**
